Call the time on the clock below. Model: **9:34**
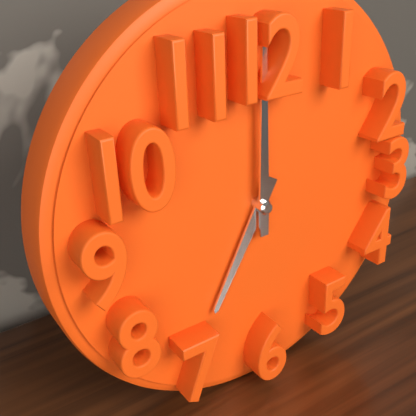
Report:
**7:00**
